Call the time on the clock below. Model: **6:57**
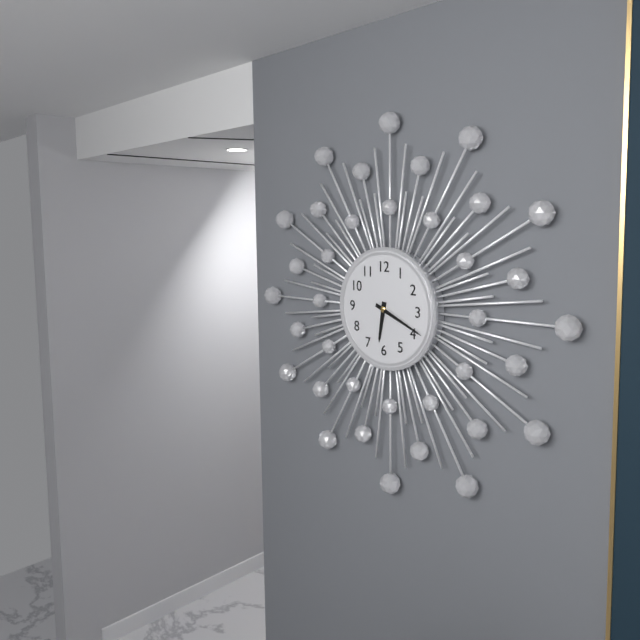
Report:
**6:19**
